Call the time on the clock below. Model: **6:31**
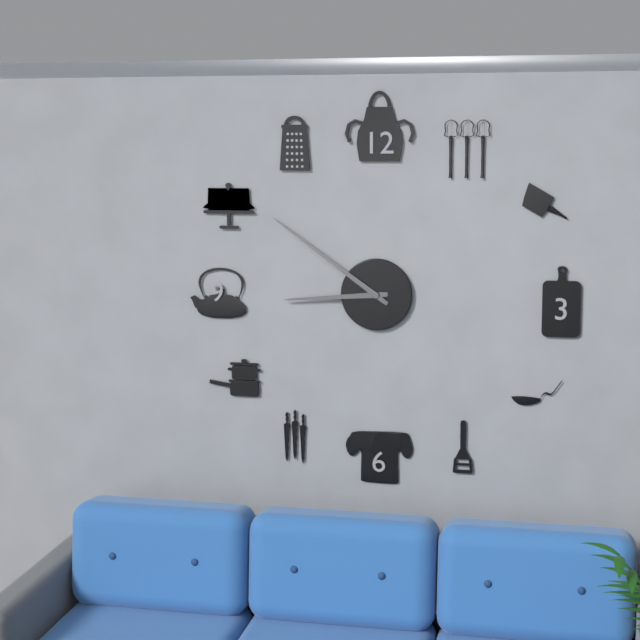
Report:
**8:51**
